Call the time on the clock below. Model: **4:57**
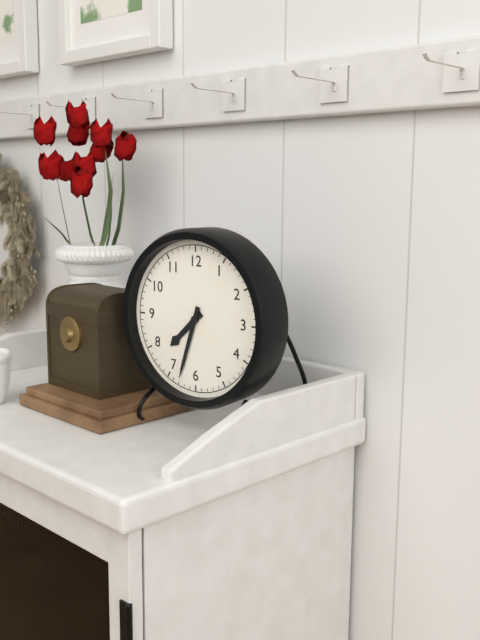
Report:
**7:33**
